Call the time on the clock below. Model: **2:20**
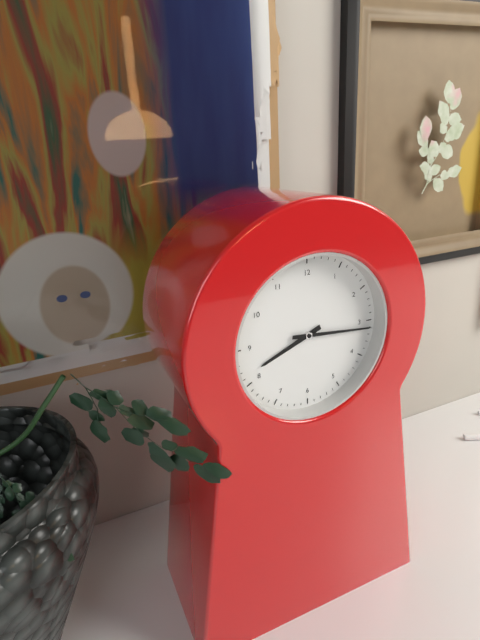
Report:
**8:16**
